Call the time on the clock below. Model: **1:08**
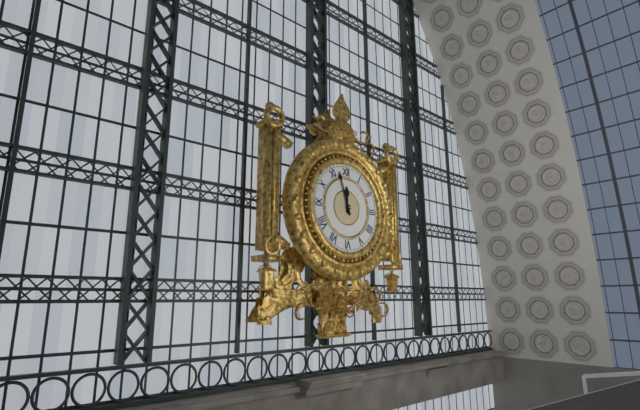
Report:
**11:57**
